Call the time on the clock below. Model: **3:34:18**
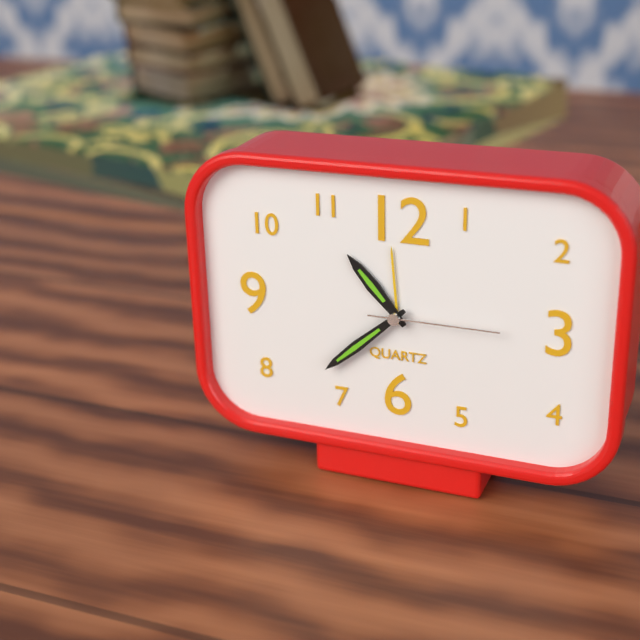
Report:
**10:38:15**
